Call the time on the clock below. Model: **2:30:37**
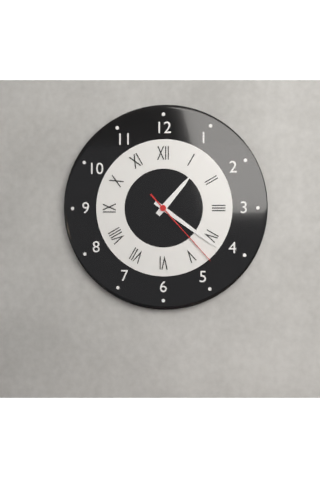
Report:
**1:21:23**
